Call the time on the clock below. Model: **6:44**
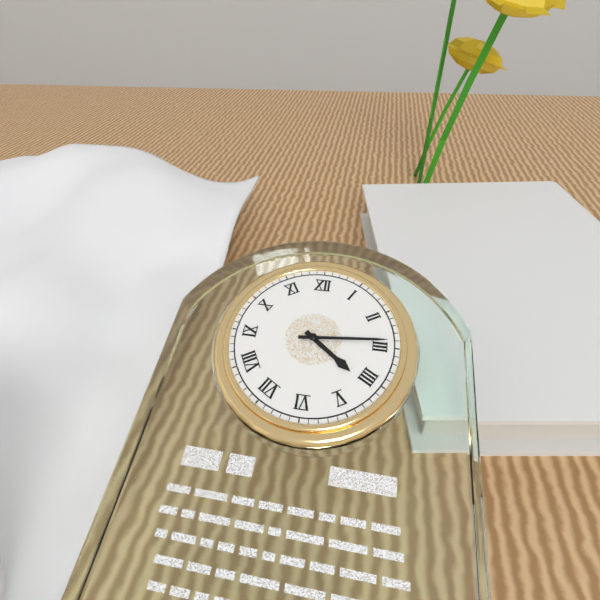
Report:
**4:14**
